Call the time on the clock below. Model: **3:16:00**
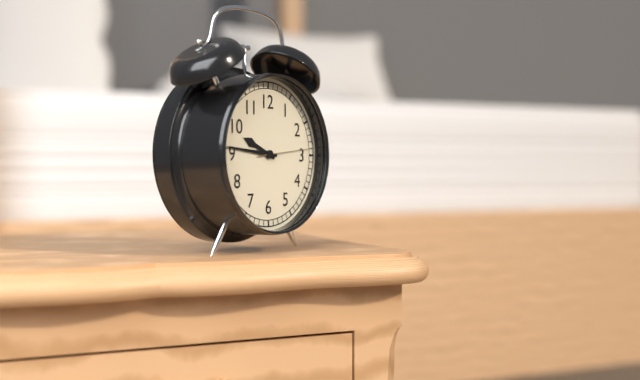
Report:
**9:46:14**
